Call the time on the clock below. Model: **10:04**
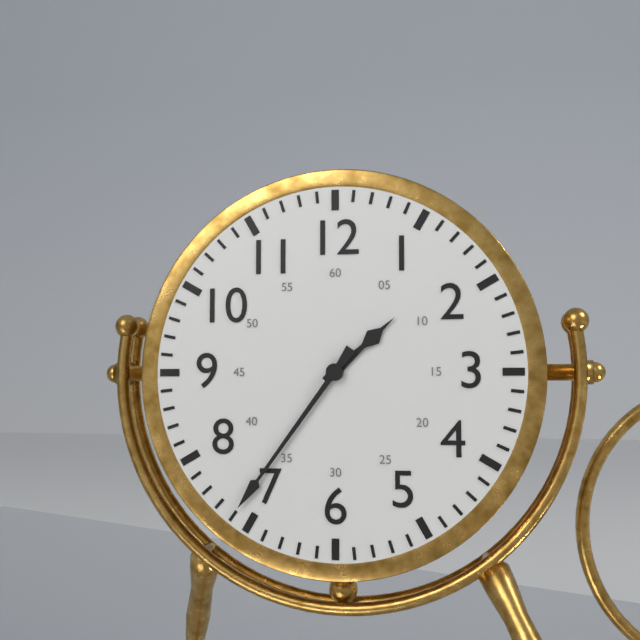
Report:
**1:36**
